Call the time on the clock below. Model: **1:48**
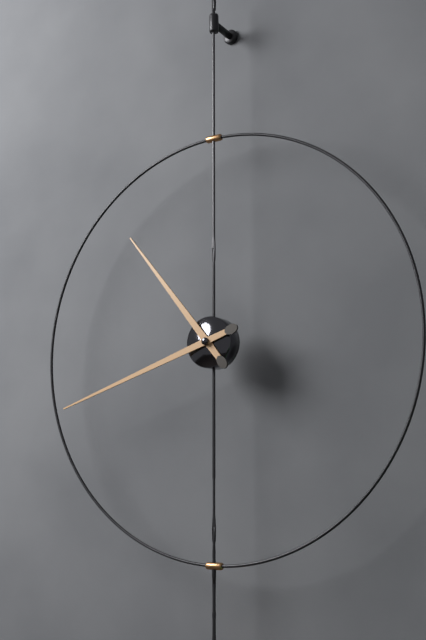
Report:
**10:42**
